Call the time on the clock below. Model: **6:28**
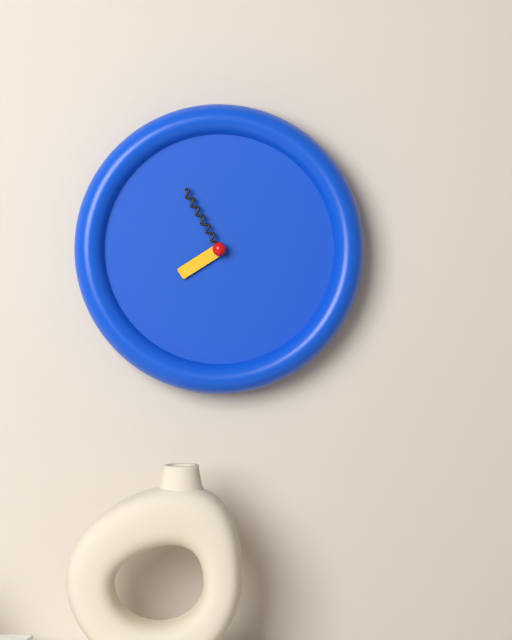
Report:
**7:55**
